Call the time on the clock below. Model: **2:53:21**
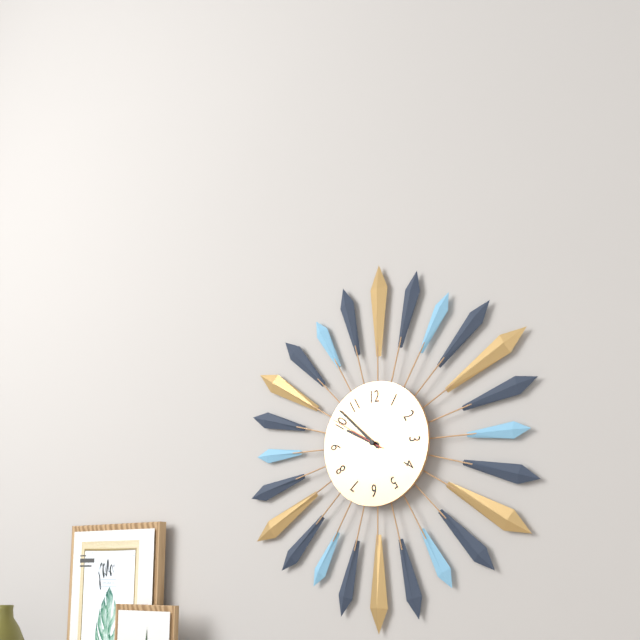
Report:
**9:52:50**
